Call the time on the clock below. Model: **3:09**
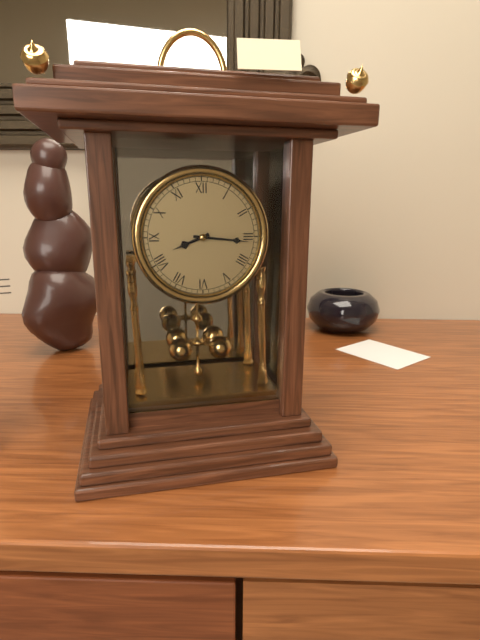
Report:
**8:16**
